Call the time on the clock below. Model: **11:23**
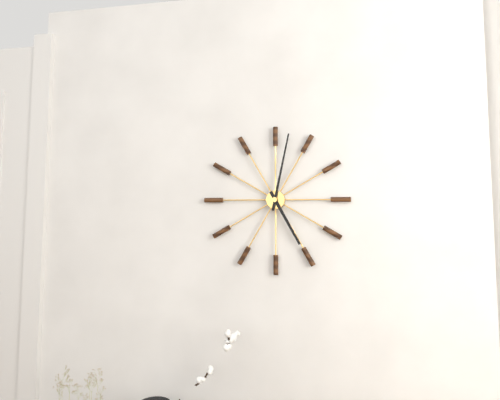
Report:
**5:02**
